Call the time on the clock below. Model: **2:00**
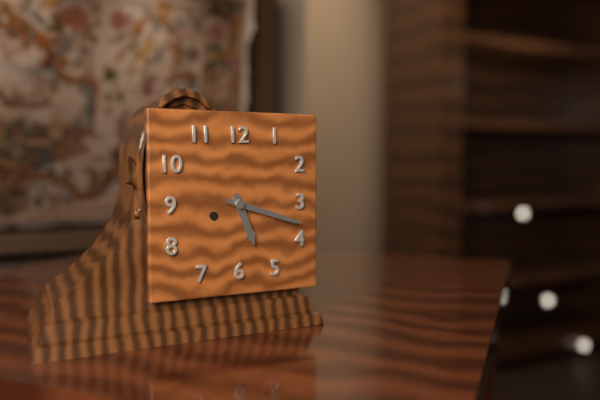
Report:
**5:18**
